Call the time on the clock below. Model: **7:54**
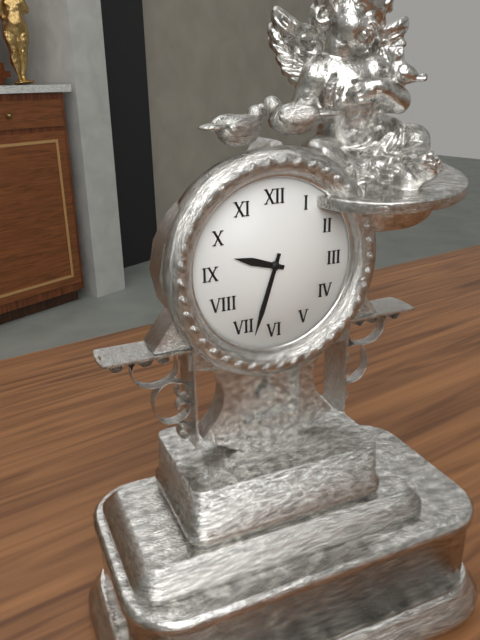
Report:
**9:33**
